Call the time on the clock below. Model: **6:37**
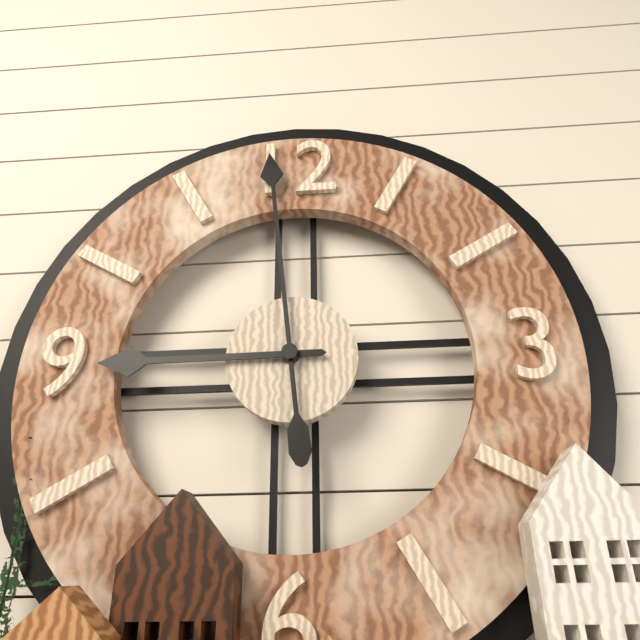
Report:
**8:59**
